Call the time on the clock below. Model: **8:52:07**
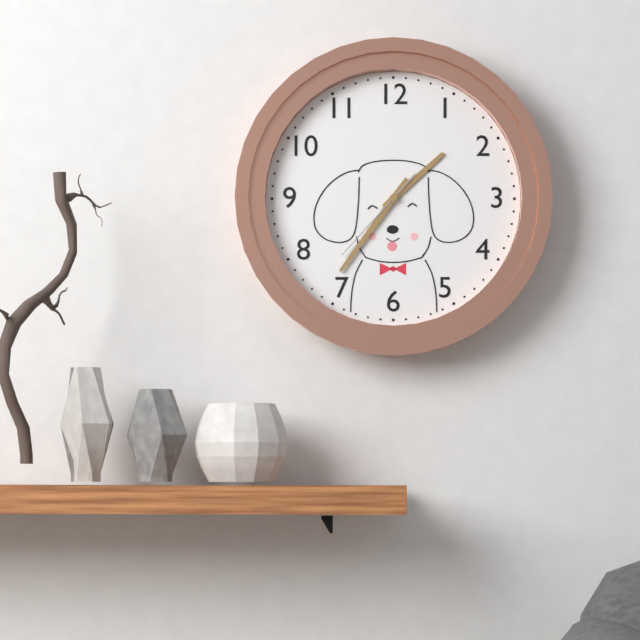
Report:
**1:36:37**
